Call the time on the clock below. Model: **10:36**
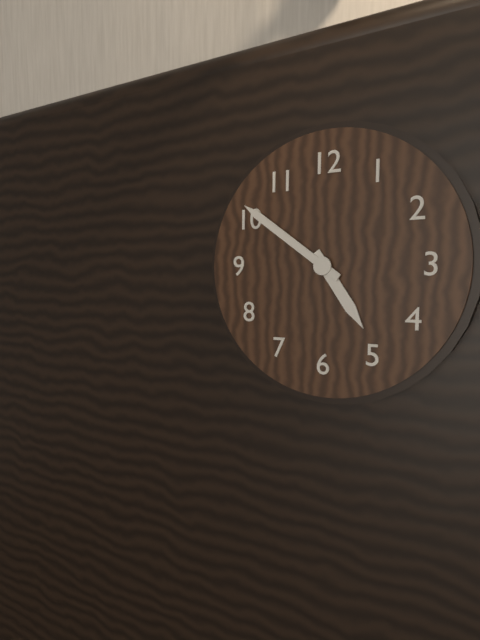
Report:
**4:51**
